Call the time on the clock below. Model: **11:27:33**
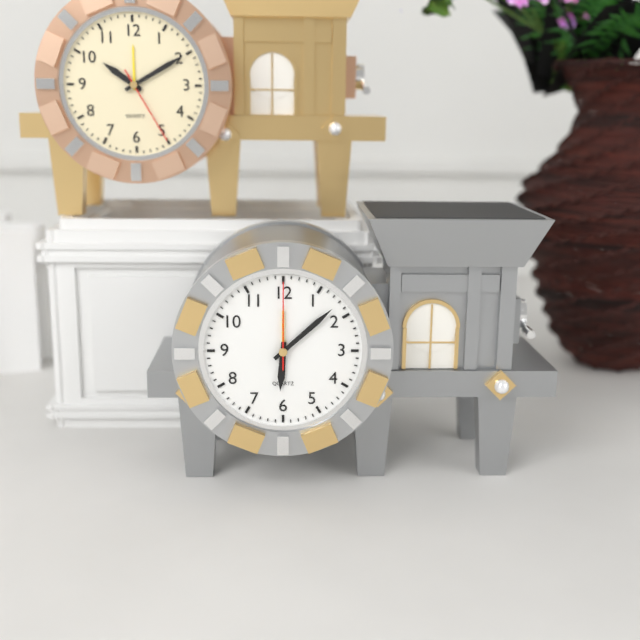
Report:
**6:08:00**
